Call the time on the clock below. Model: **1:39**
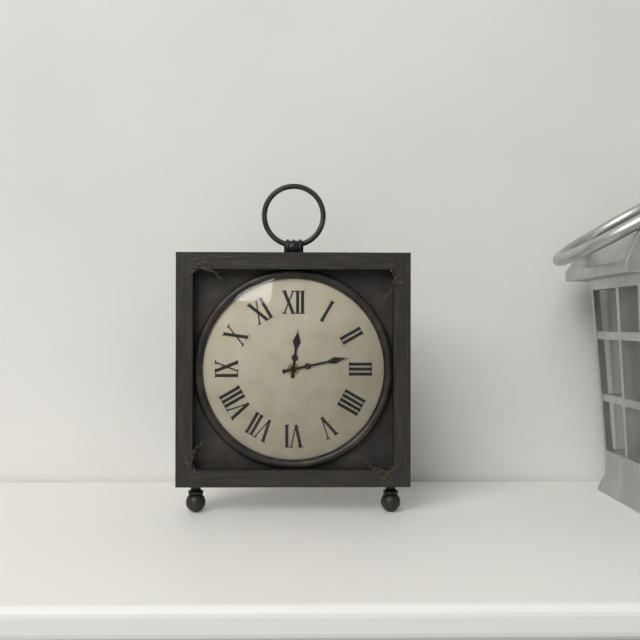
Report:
**12:13**
